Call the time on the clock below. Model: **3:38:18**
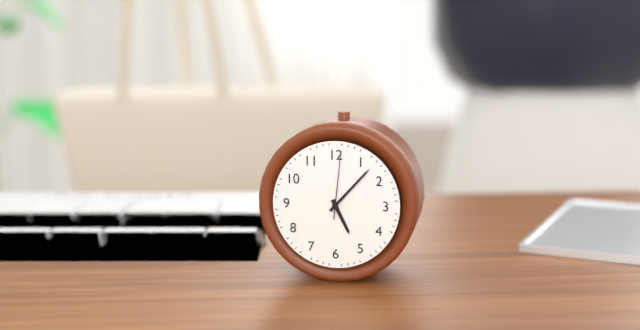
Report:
**5:07:01**
